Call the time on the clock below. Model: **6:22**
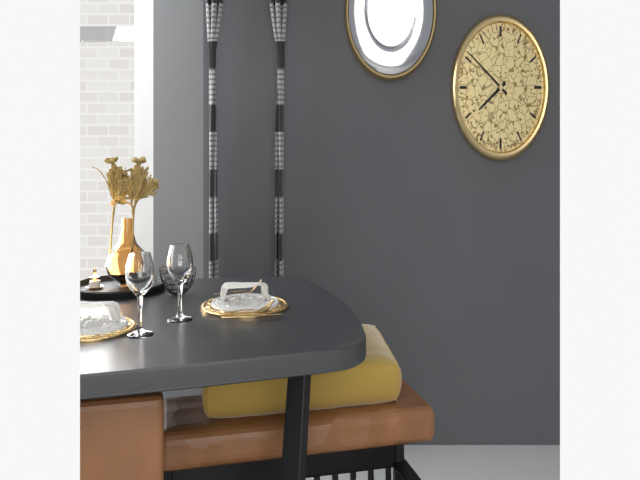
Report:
**7:51**
